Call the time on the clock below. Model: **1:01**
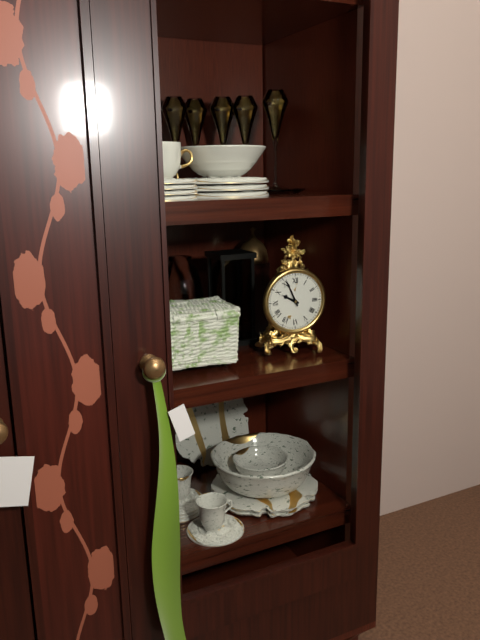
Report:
**9:56**
